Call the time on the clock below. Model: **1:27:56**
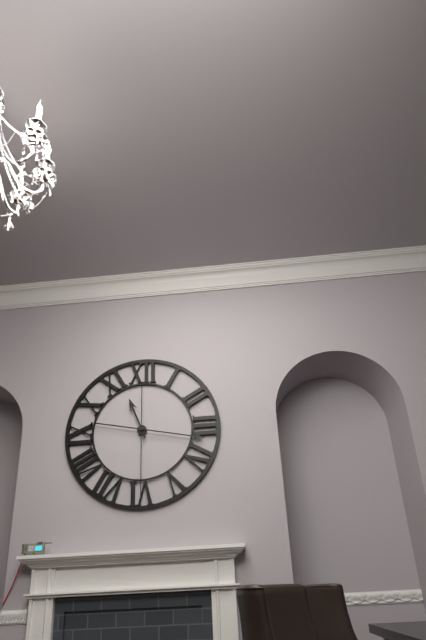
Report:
**11:17:30**
